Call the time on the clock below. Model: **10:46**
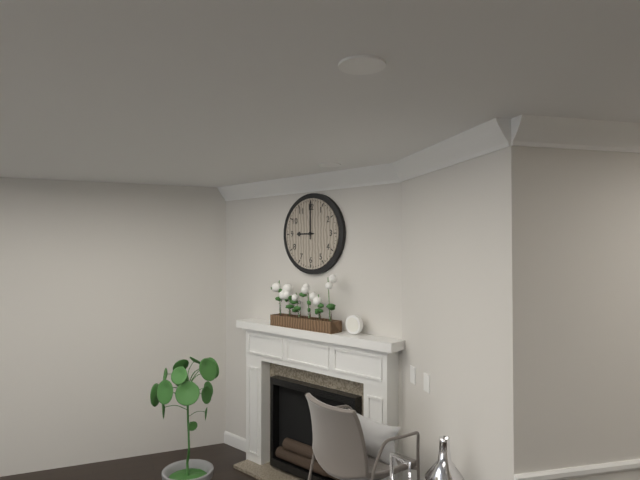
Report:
**9:00**
